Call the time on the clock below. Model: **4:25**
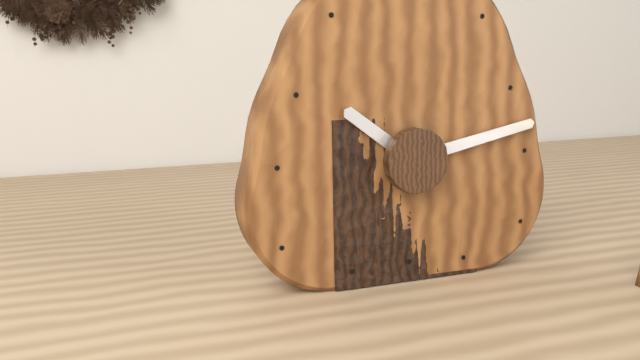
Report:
**10:13**
